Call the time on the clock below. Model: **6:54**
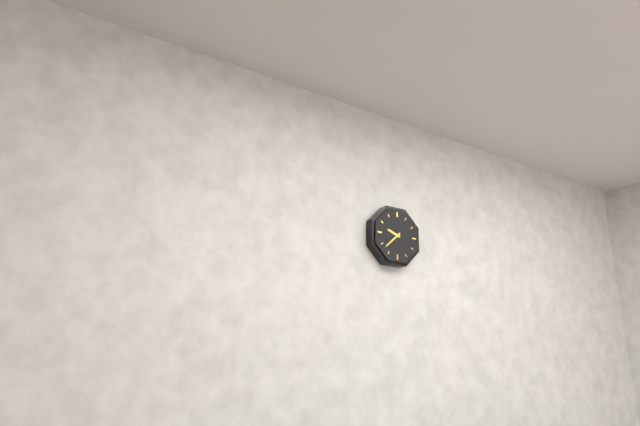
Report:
**9:38**
